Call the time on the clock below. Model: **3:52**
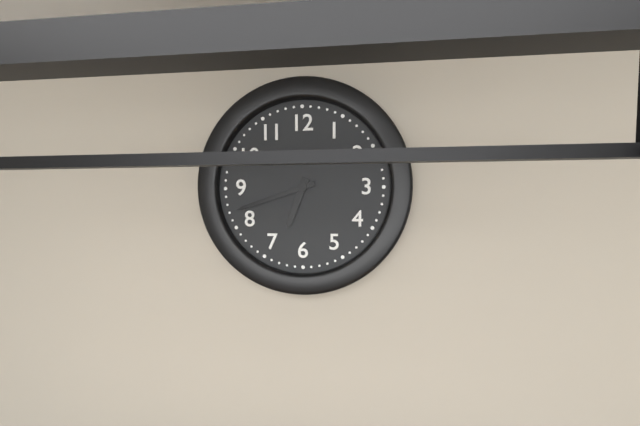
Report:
**6:42**
